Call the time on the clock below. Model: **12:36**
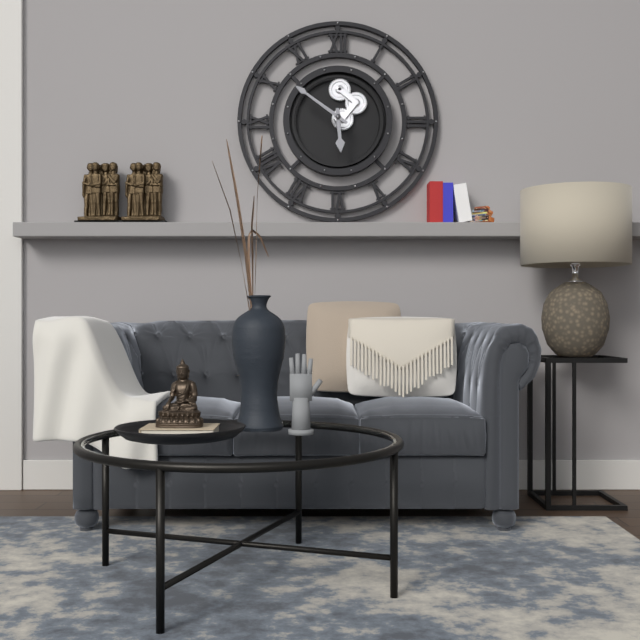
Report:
**5:51**
